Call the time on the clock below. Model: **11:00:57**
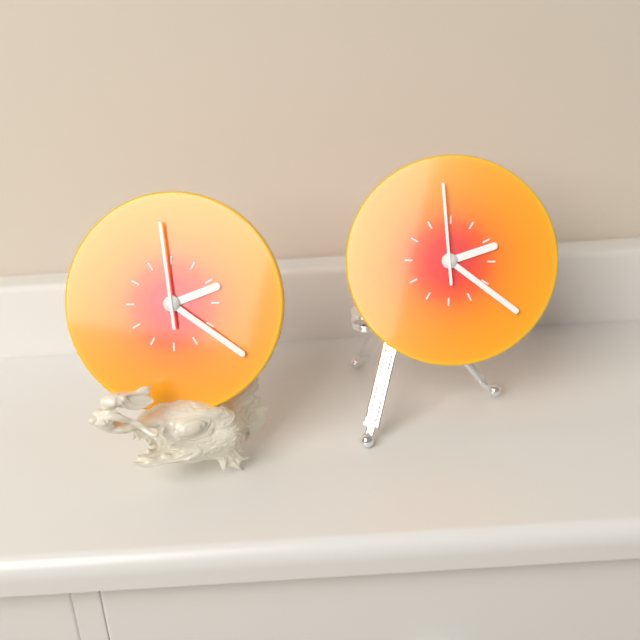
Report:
**2:21:59**
